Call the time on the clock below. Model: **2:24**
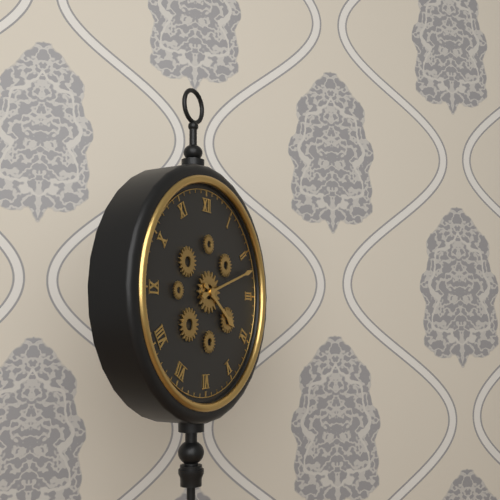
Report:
**4:12**
